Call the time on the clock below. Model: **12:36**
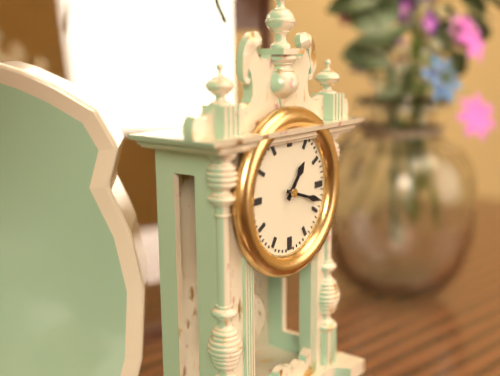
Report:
**1:18**
